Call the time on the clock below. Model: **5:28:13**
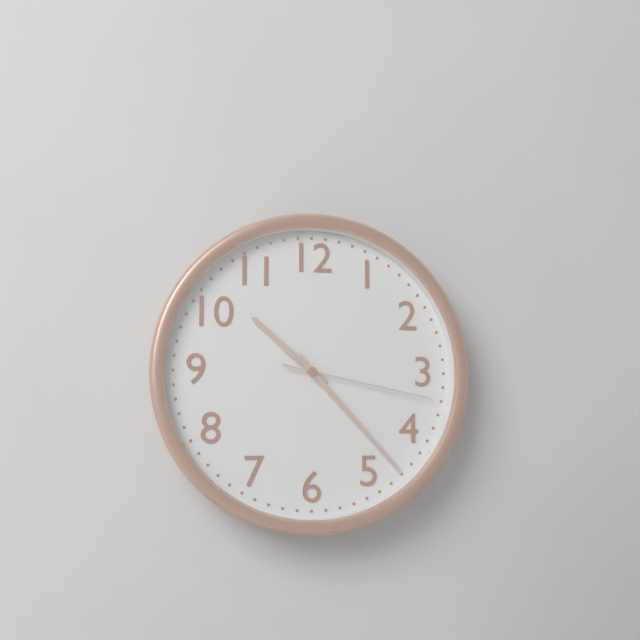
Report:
**10:23:17**
